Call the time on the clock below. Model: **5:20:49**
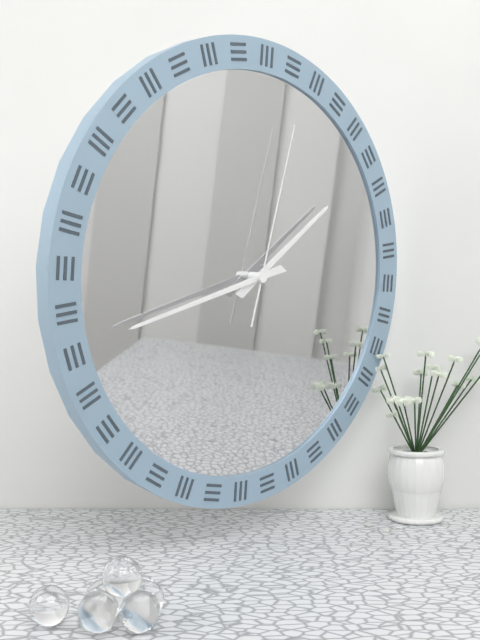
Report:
**1:42:02**
